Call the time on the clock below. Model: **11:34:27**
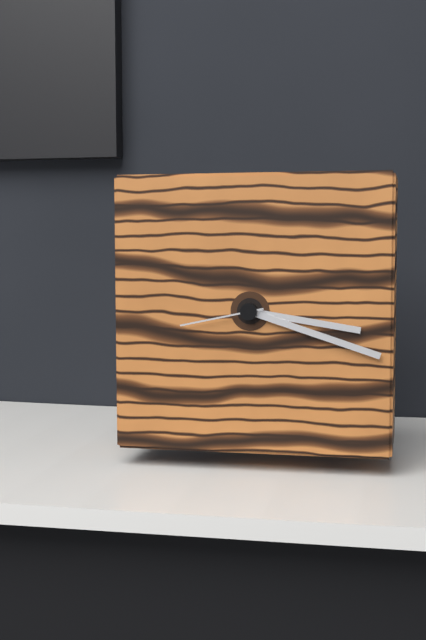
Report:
**3:18:43**
